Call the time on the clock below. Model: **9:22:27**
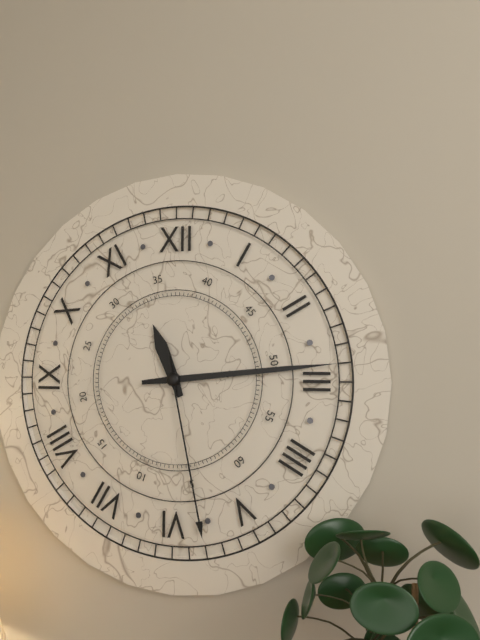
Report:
**11:14:28**
